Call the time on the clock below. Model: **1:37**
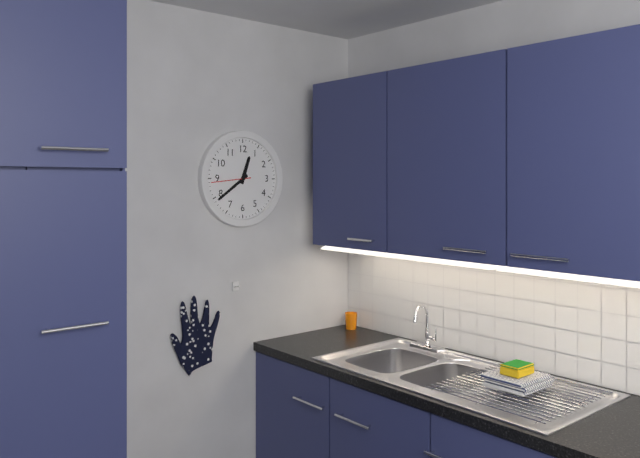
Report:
**12:39**
